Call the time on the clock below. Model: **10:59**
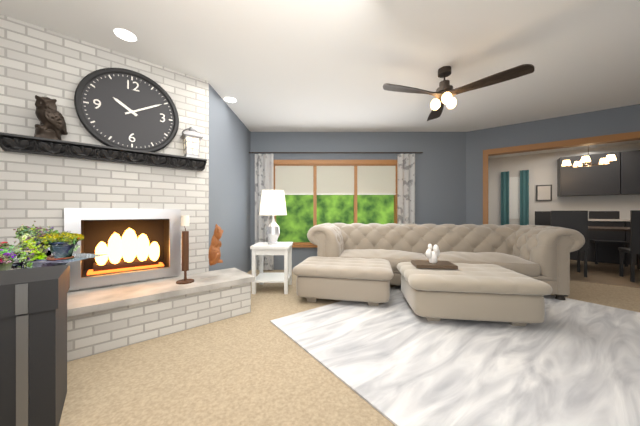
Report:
**10:10**
